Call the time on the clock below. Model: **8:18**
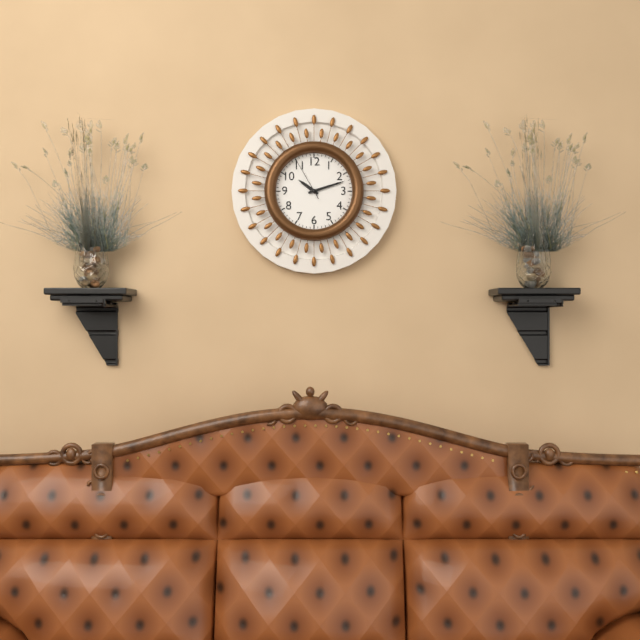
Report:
**10:12**
